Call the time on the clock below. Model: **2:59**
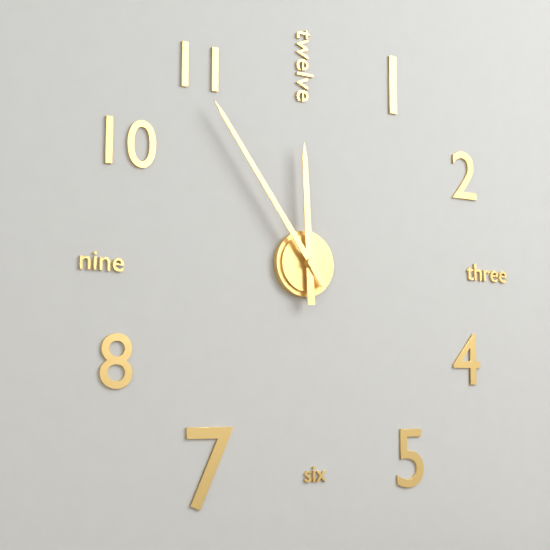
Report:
**11:54**
